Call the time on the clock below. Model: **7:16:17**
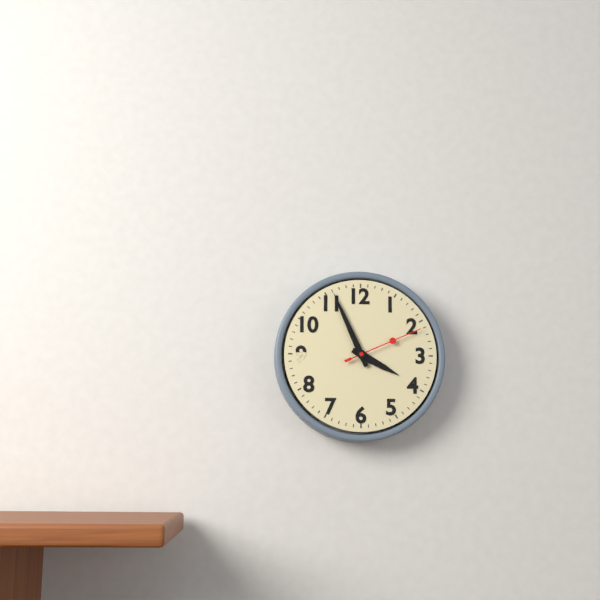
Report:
**3:56:11**
